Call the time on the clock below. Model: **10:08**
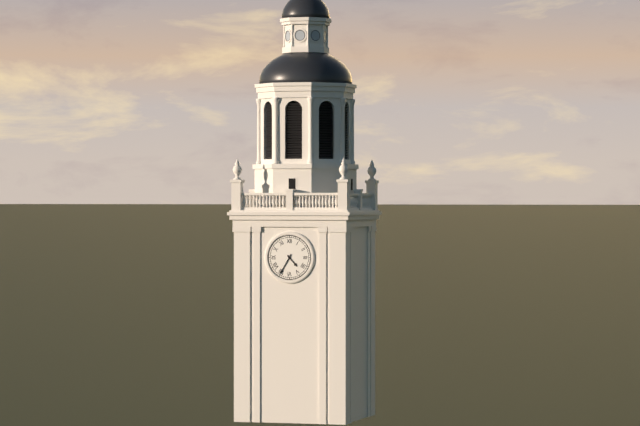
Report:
**4:35**
